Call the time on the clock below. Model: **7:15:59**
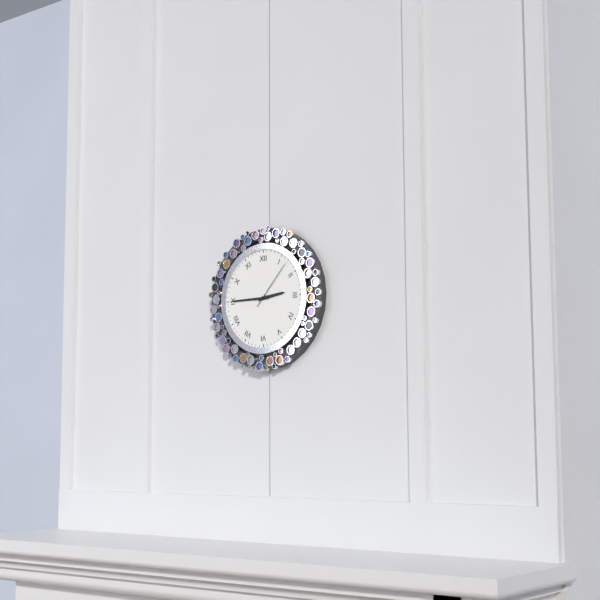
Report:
**2:45:07**
